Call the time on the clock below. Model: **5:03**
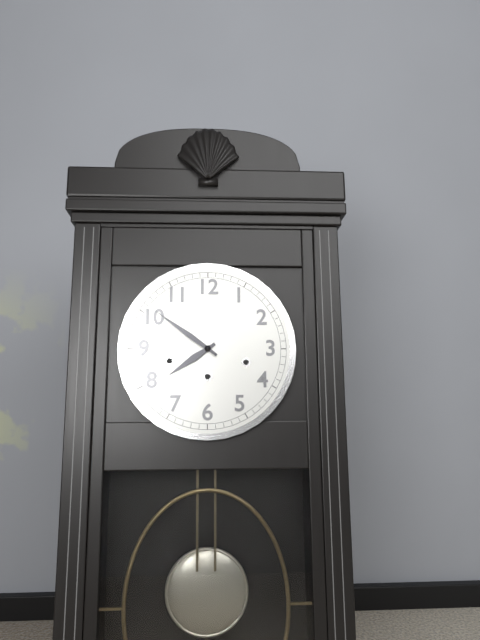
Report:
**7:51**
